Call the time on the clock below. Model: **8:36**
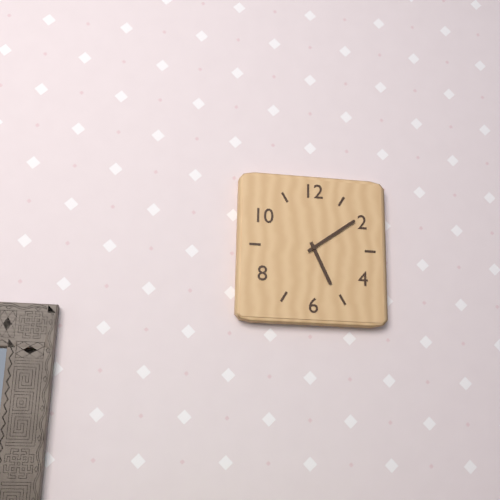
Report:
**5:09**
